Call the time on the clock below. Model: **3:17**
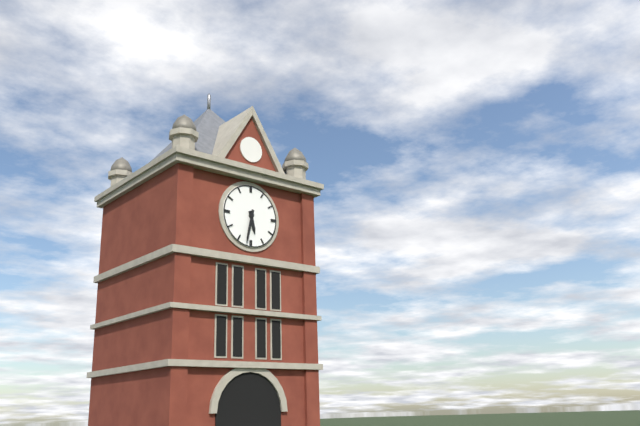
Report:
**5:32**
